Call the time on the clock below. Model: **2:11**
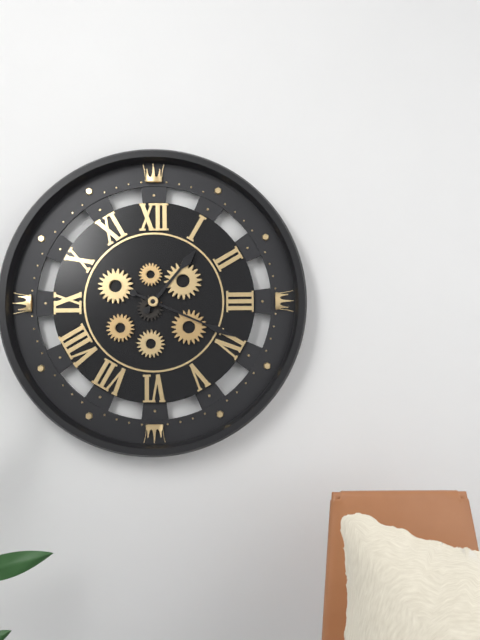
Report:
**1:19**
